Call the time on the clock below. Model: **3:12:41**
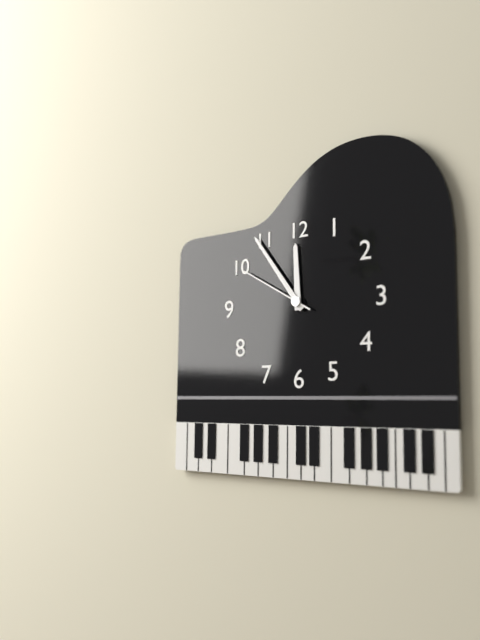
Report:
**11:54:50**
